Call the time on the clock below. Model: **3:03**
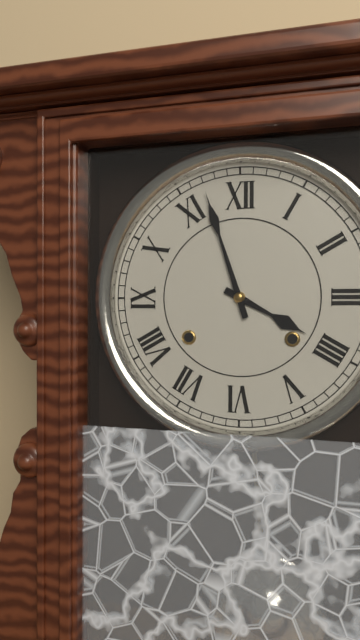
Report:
**3:57**
